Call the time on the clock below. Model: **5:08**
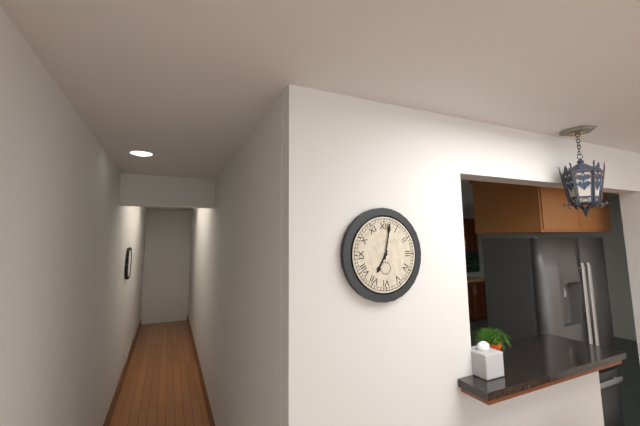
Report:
**7:02**
